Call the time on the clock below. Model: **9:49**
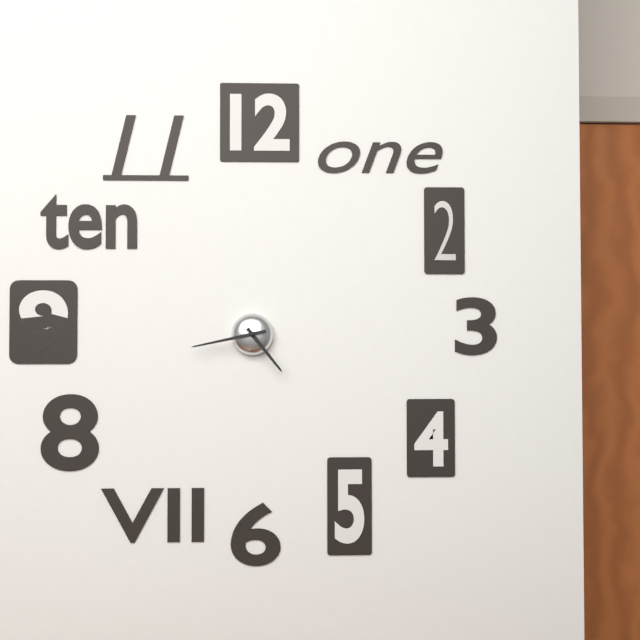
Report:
**4:43**
